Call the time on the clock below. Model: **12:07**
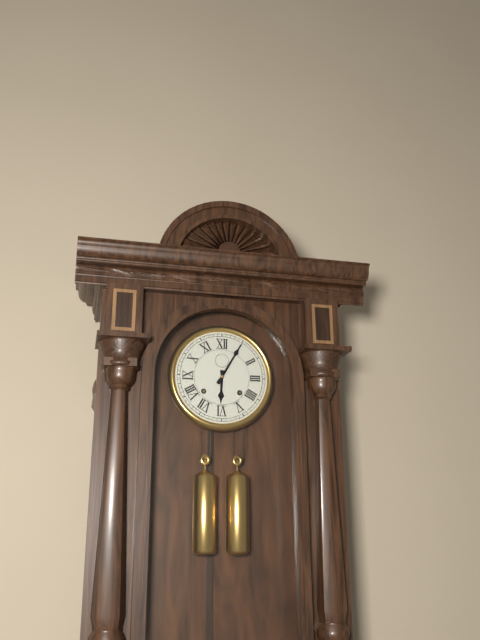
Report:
**6:05**
